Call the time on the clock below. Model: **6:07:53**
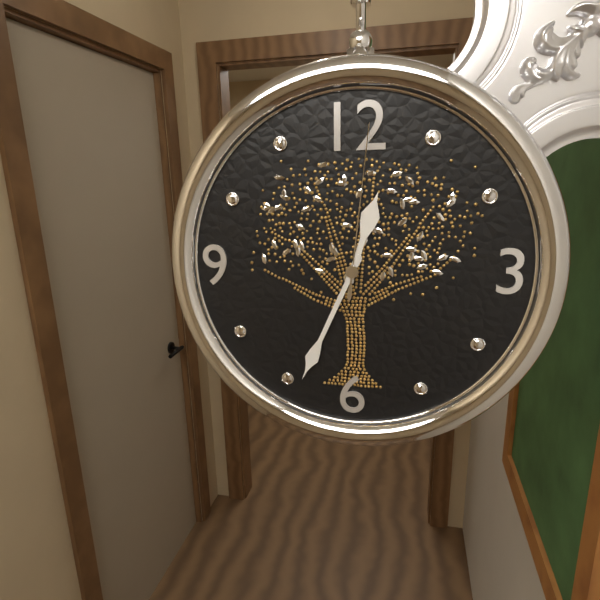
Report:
**12:34:01**
